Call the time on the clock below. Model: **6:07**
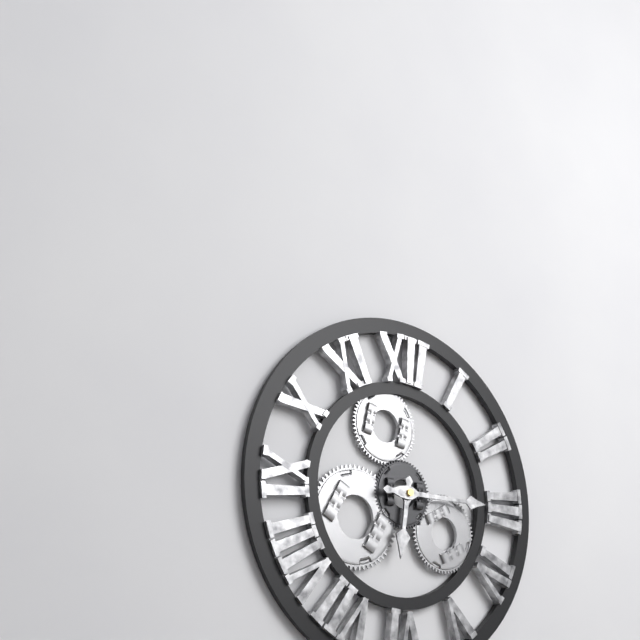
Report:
**6:15**
